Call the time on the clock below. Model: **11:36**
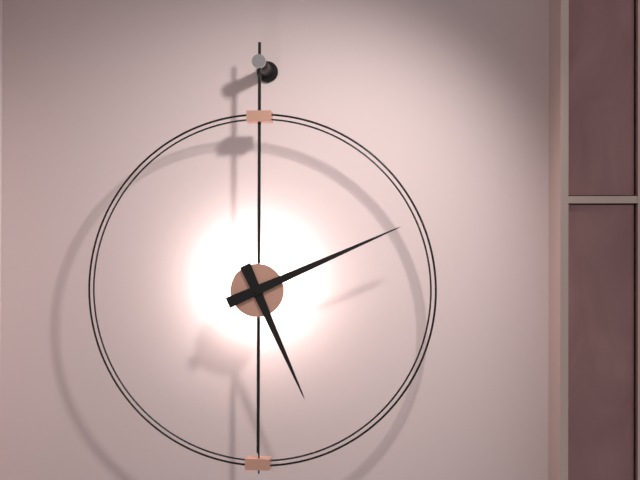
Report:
**5:11**
